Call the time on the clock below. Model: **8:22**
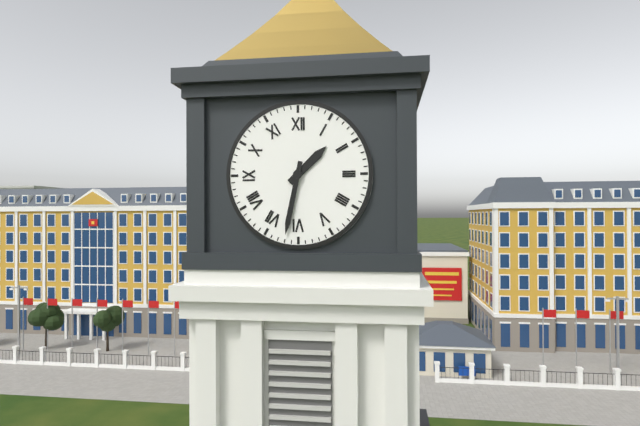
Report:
**1:32**
